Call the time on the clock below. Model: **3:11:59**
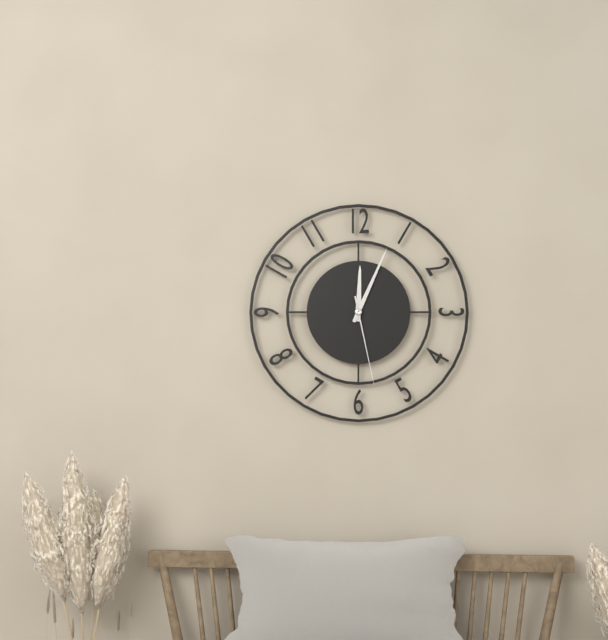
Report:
**12:04:28**
